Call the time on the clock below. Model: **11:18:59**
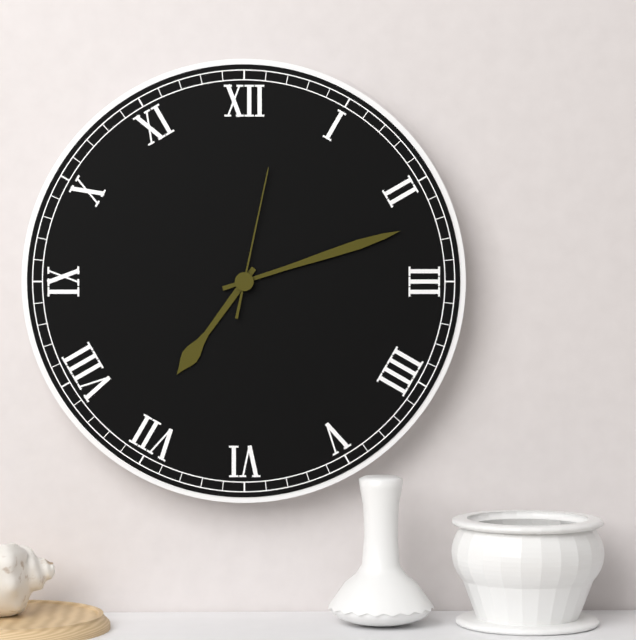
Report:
**7:12:02**
